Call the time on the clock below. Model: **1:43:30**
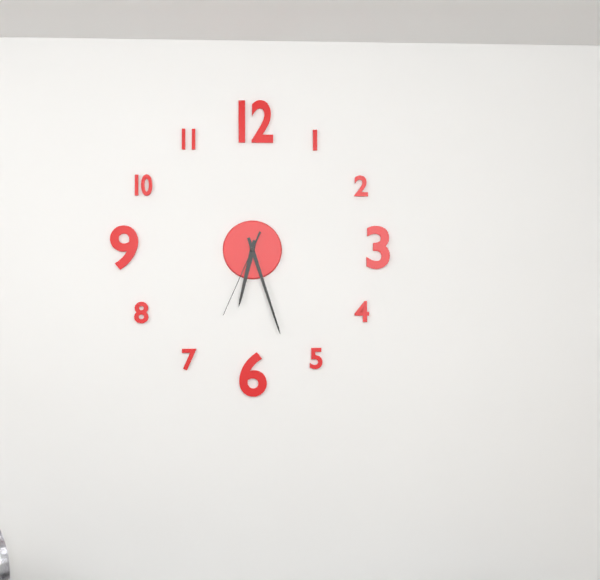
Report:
**6:27:34**
